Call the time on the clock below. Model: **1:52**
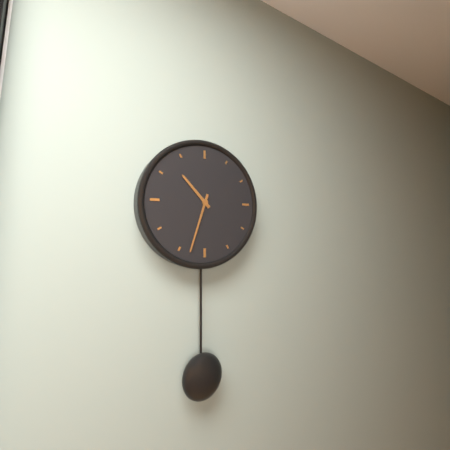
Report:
**10:33**
